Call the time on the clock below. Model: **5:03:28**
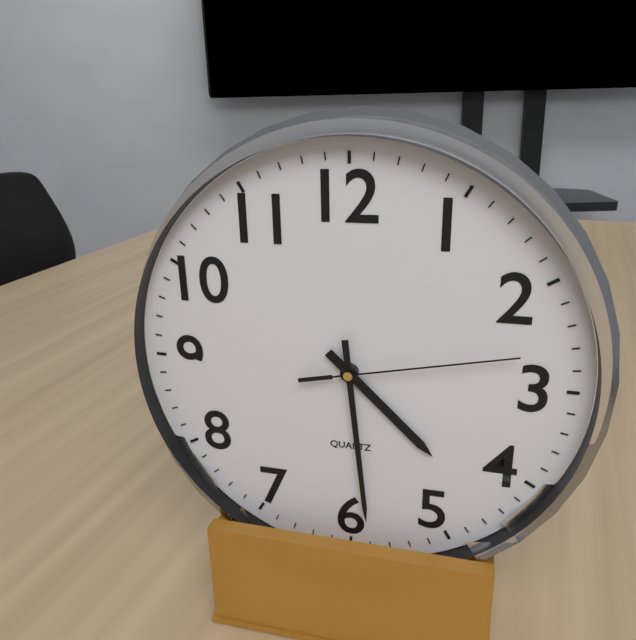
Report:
**4:29:13**
